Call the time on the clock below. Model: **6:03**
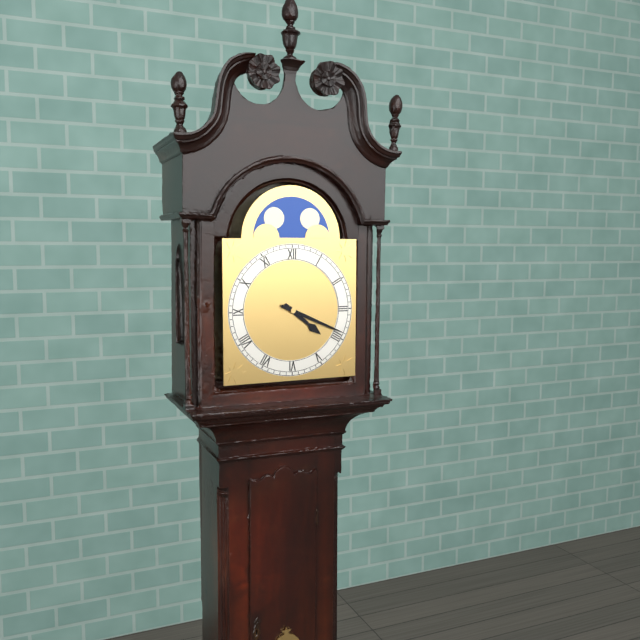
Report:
**4:19**
